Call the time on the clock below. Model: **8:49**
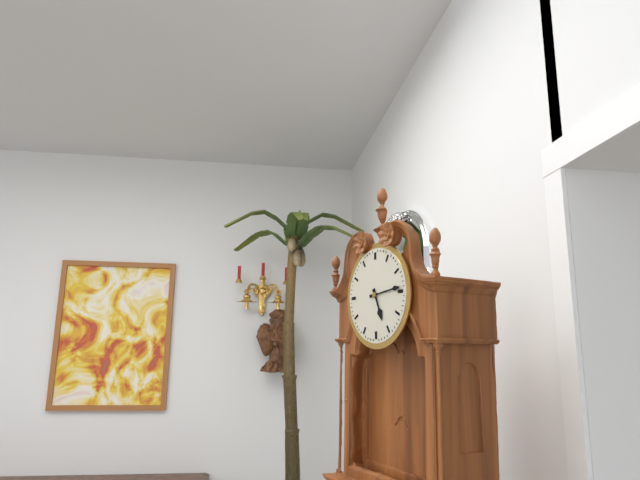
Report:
**5:14**
